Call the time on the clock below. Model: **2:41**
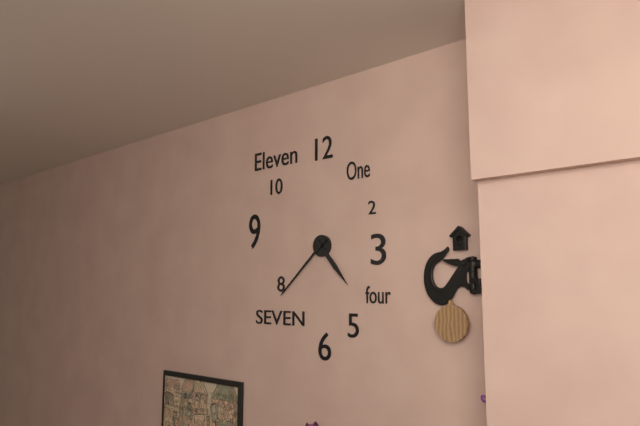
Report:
**4:38**
